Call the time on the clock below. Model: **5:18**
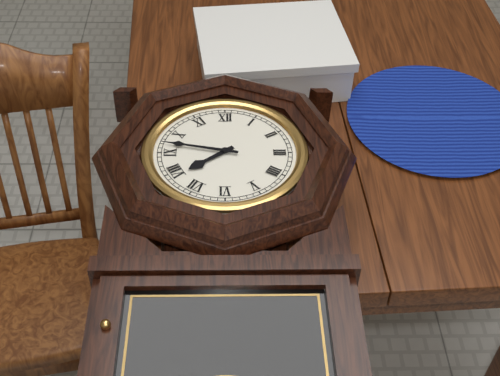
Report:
**7:47**
